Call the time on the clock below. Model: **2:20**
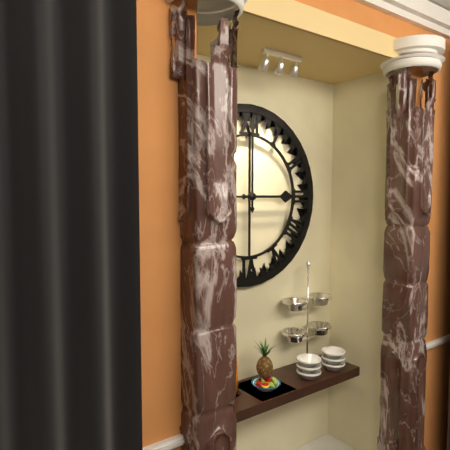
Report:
**3:00**
